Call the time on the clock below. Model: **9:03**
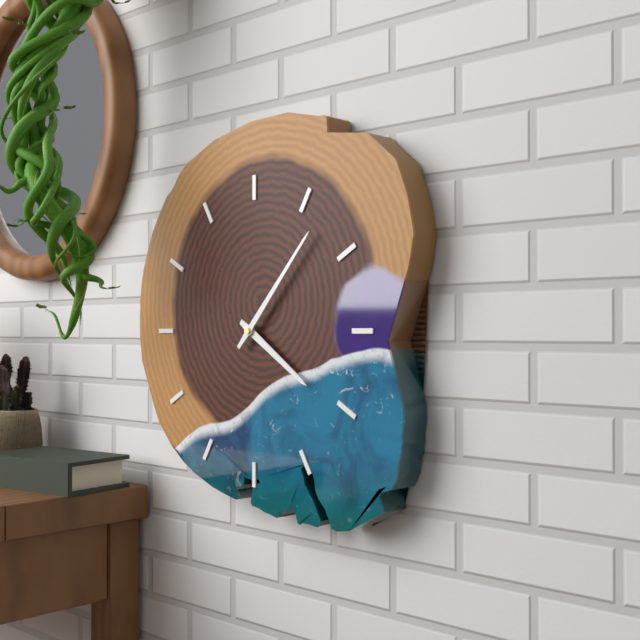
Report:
**4:07**
